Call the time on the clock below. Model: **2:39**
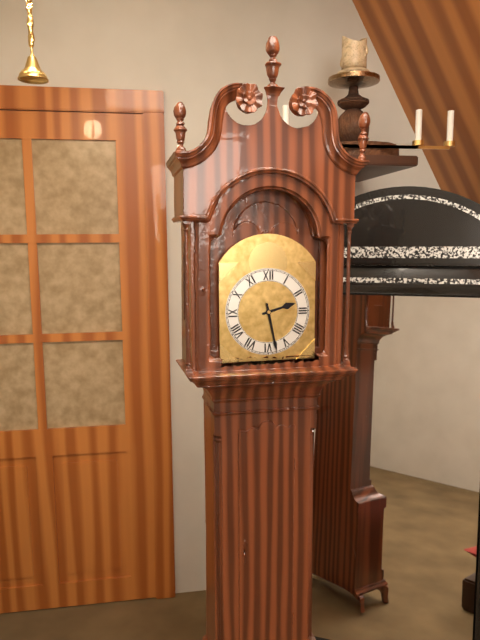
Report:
**2:28**
